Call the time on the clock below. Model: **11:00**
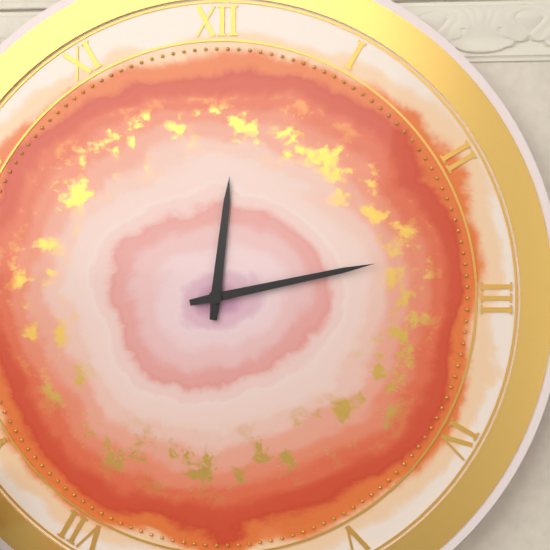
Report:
**12:13**
